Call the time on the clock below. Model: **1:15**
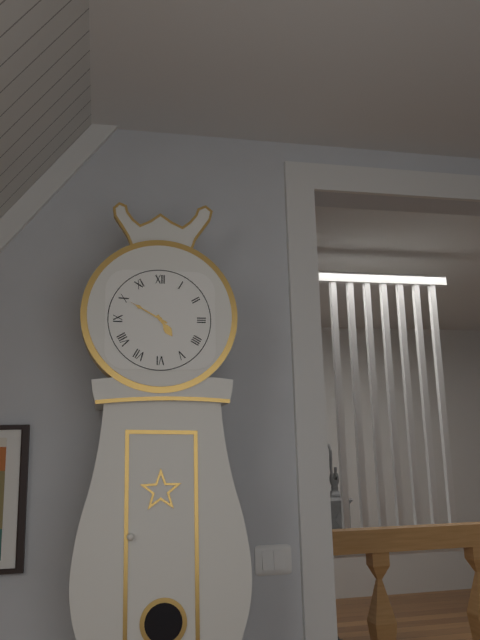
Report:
**4:50**
